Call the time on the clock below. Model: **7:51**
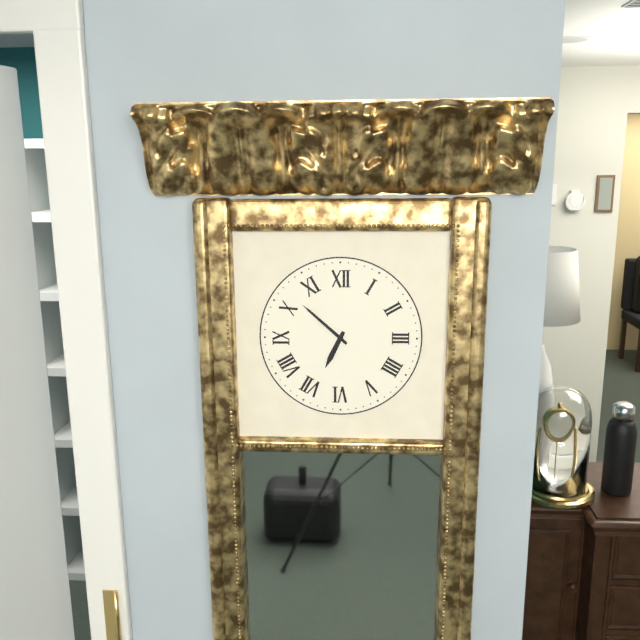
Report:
**6:52**
